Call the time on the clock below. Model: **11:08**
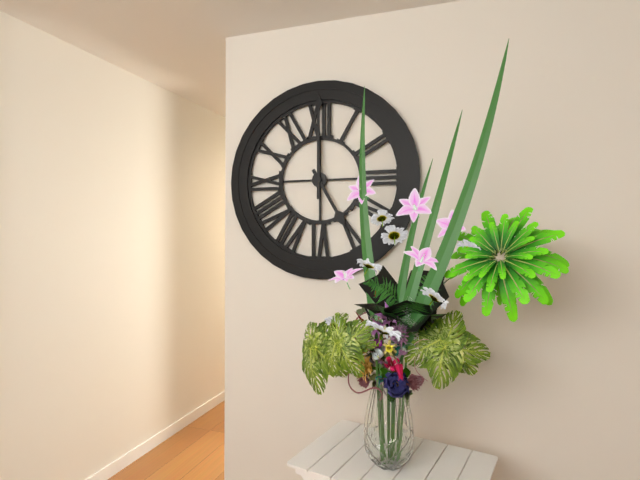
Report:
**5:00**
